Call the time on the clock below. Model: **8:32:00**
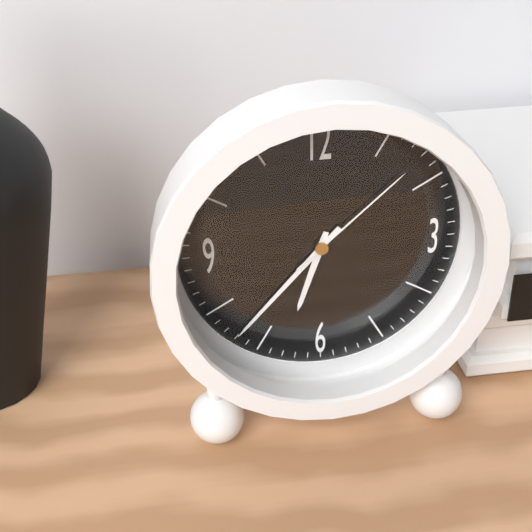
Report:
**6:37:08**
